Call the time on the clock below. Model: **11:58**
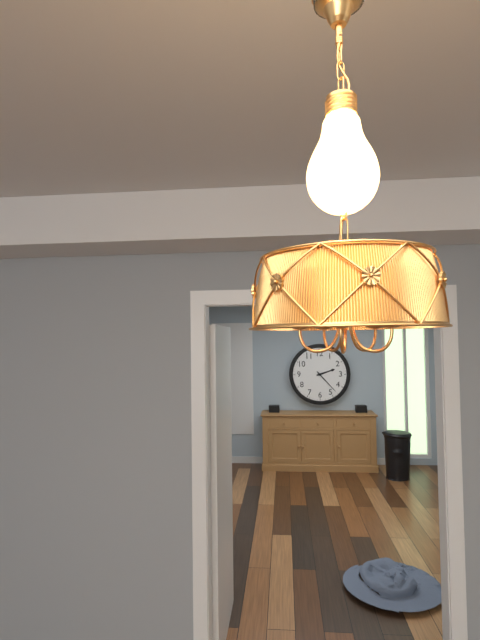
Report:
**2:23**
